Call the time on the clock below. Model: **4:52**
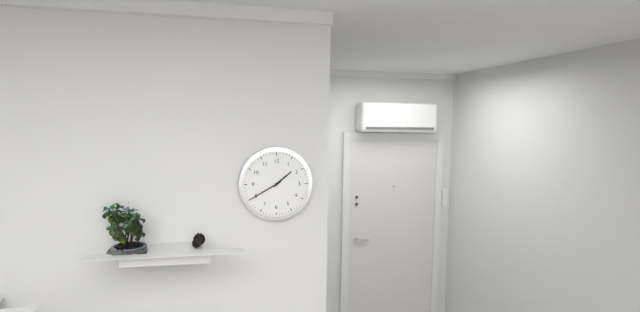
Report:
**1:40**
